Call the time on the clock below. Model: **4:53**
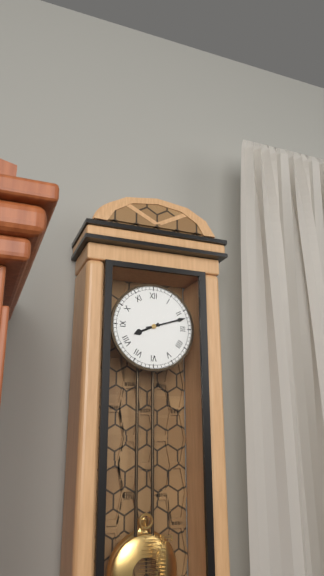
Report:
**8:12**
